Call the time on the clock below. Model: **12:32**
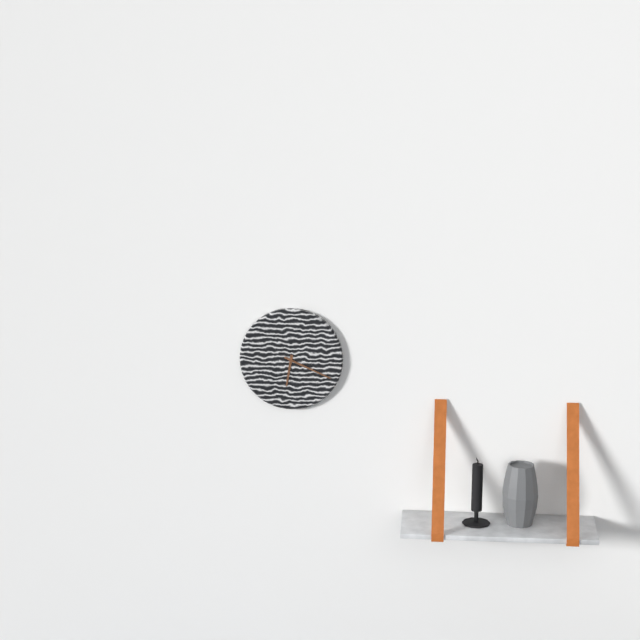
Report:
**6:19**
